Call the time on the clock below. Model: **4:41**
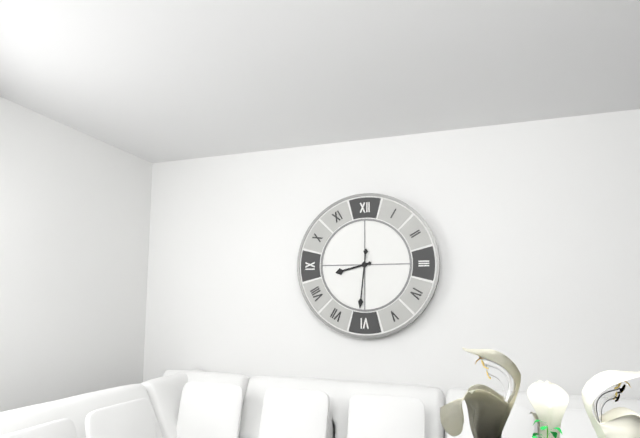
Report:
**8:31**
